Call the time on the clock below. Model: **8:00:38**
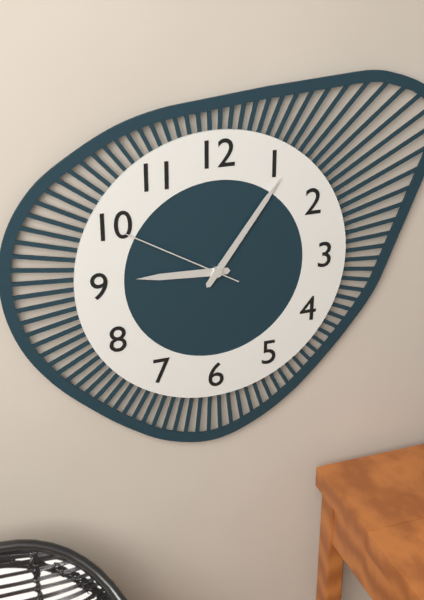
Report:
**9:06:50**
